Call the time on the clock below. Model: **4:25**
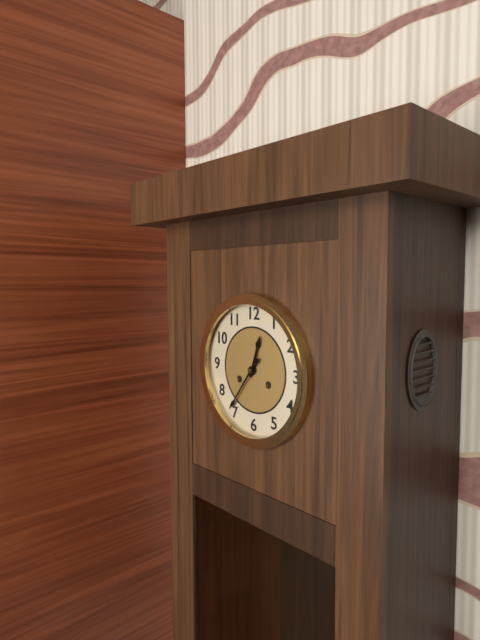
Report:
**12:36**
